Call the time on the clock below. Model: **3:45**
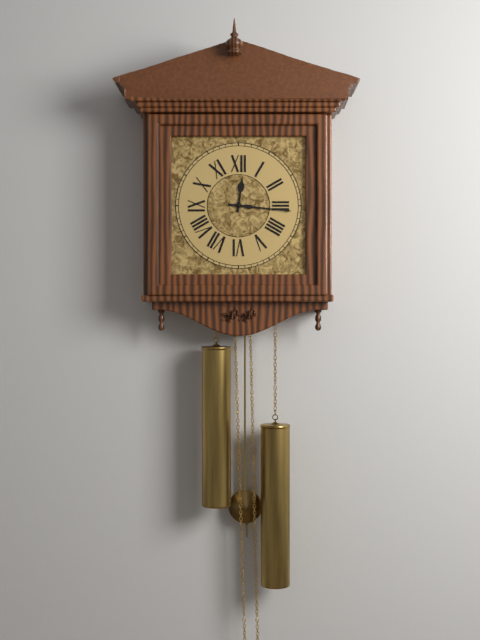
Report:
**12:16**
